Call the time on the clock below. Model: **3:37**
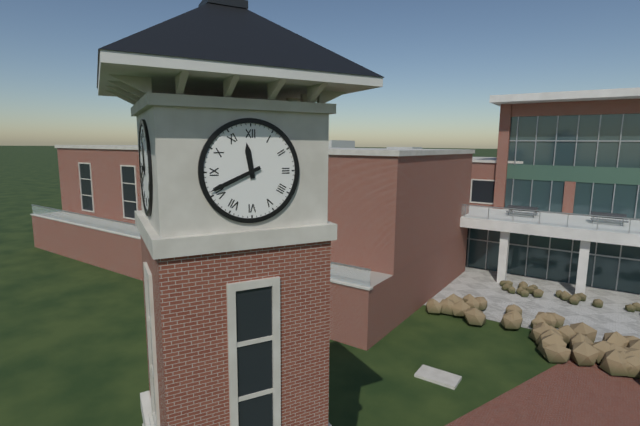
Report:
**11:41**
